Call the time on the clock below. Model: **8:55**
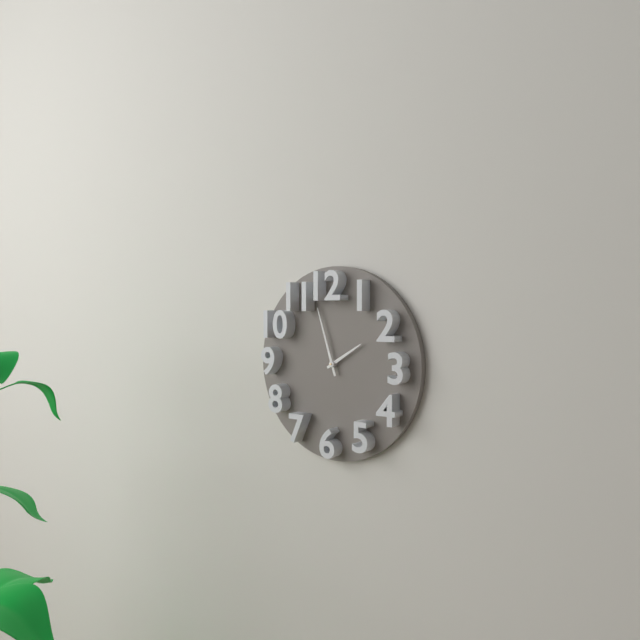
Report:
**1:57**
